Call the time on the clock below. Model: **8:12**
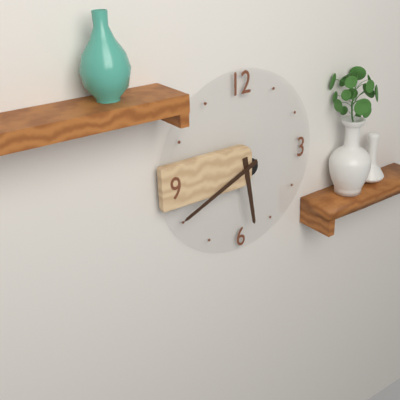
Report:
**5:41**
